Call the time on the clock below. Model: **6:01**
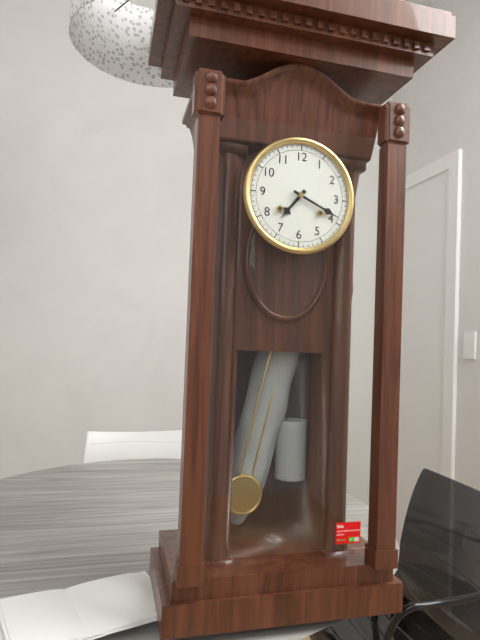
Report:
**7:19**
